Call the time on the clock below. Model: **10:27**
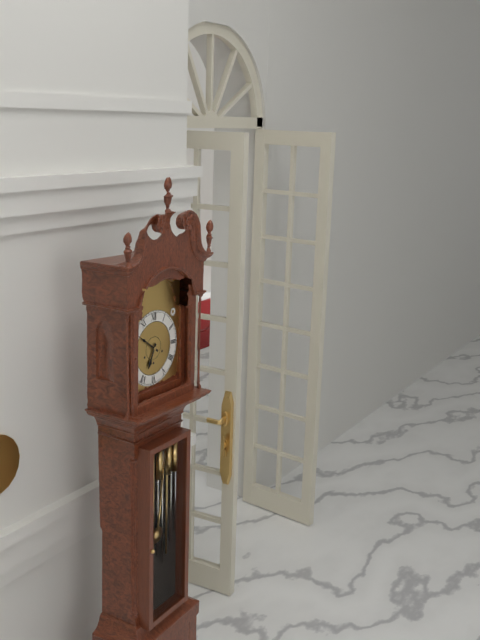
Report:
**6:51**
